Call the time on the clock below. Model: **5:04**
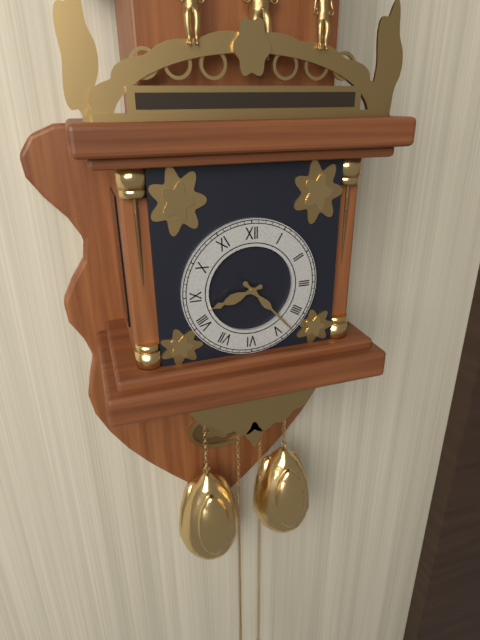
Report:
**8:23**
